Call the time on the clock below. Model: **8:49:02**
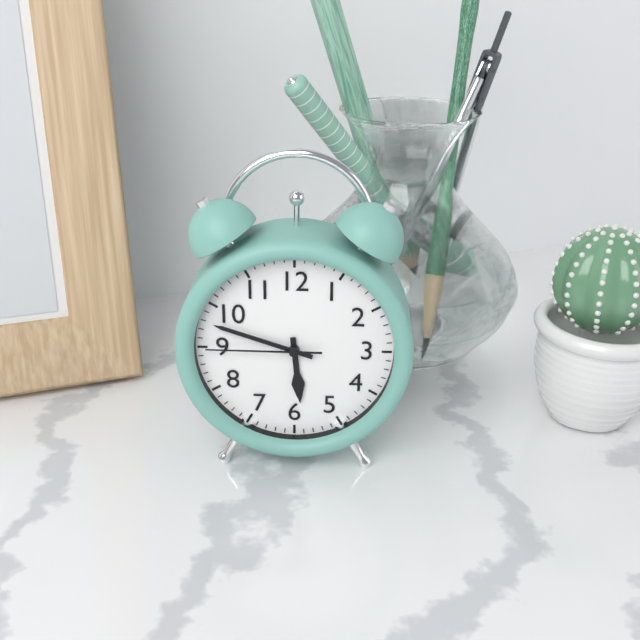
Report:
**5:48:45**
